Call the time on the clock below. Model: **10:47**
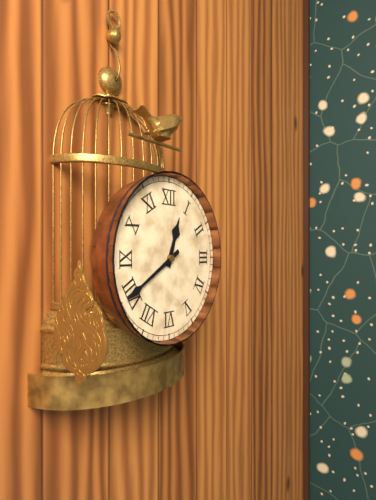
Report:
**12:40**
